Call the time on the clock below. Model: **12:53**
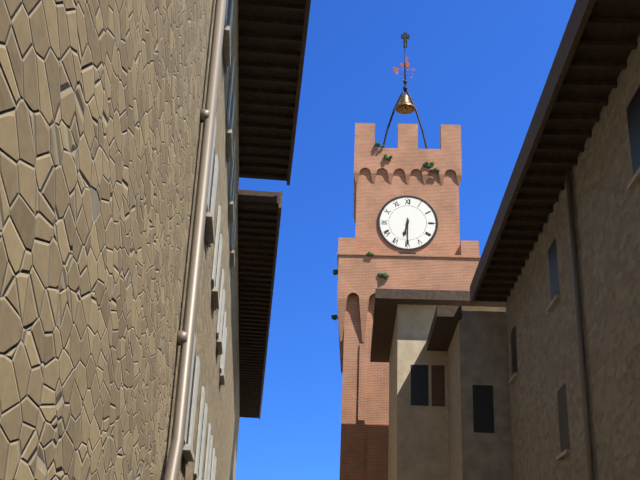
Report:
**6:30**
